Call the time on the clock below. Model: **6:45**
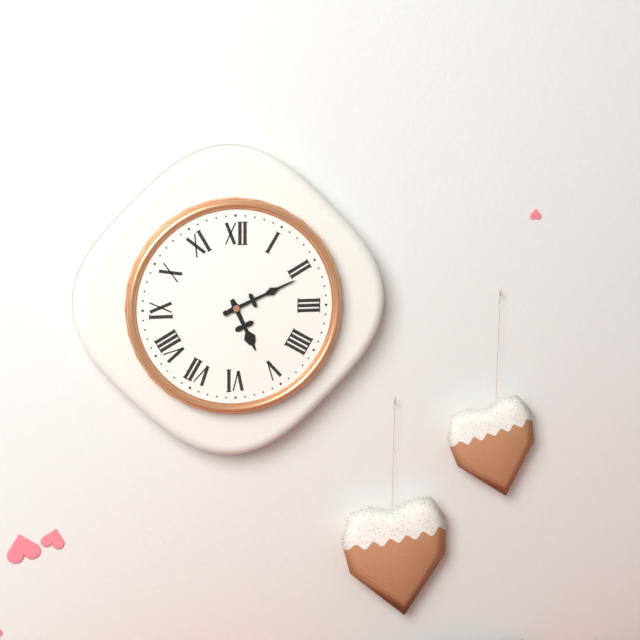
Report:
**5:11**
